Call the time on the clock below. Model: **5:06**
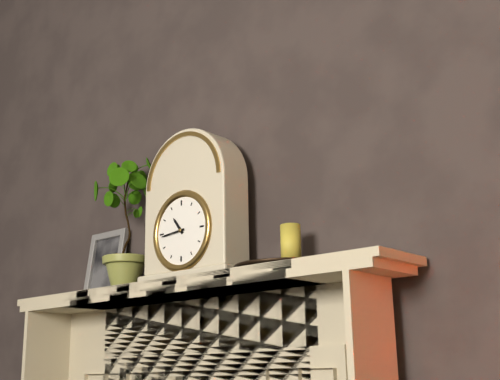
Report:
**10:44**
